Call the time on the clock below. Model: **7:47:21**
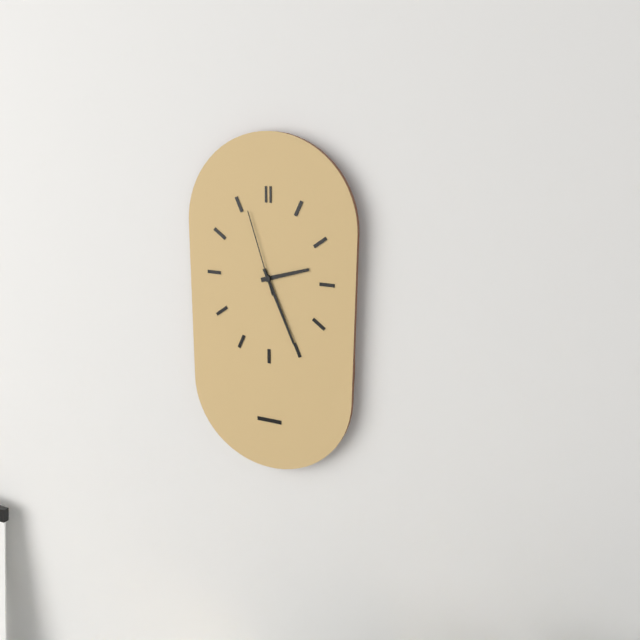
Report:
**2:26:57**
